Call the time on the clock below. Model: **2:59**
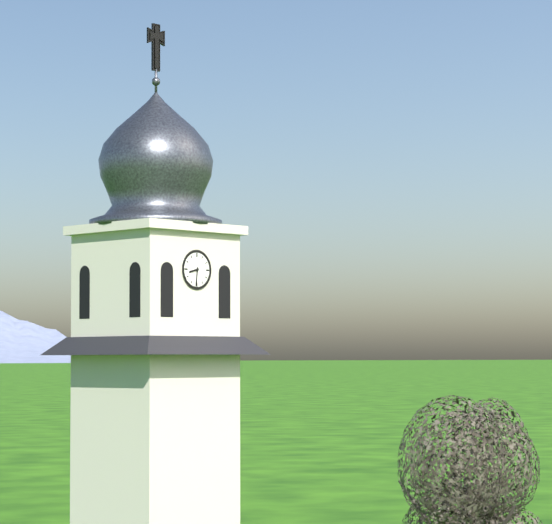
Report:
**8:31**
